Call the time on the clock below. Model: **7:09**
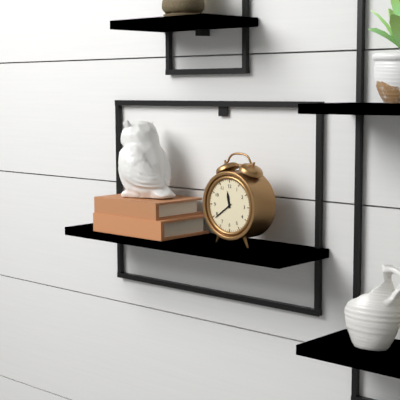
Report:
**11:39**
